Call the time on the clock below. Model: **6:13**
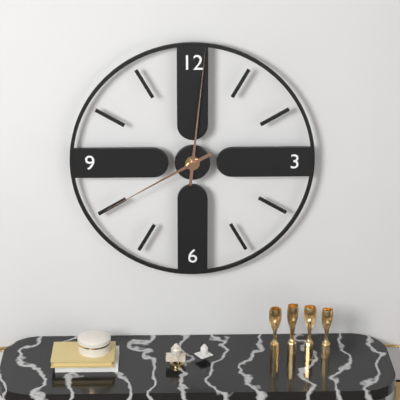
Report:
**8:01**
